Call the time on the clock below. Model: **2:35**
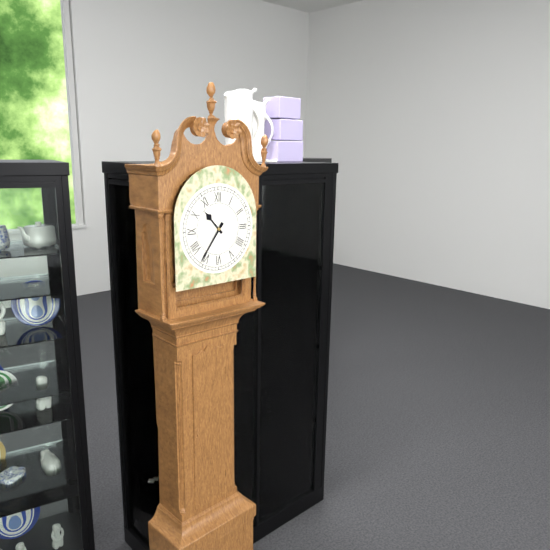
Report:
**10:36**
